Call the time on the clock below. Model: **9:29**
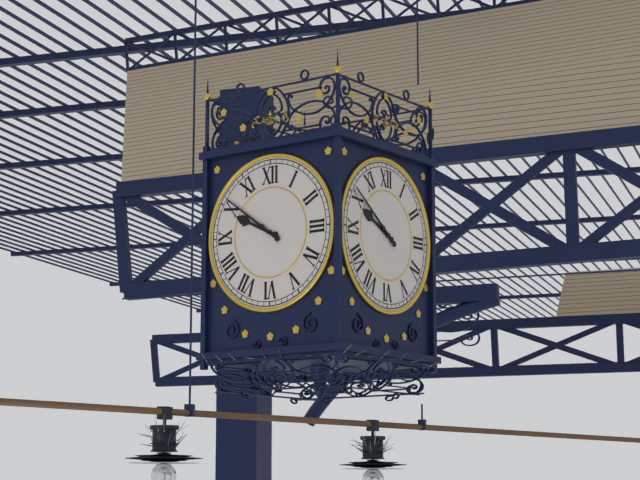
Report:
**9:51**
